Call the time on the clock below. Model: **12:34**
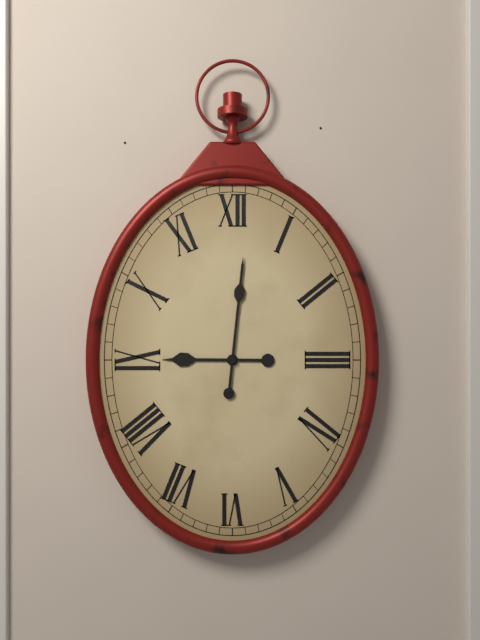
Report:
**9:01**
